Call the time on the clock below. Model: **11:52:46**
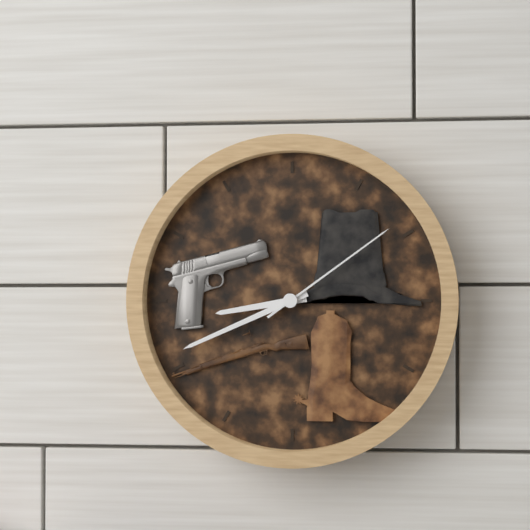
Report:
**8:41:09**
